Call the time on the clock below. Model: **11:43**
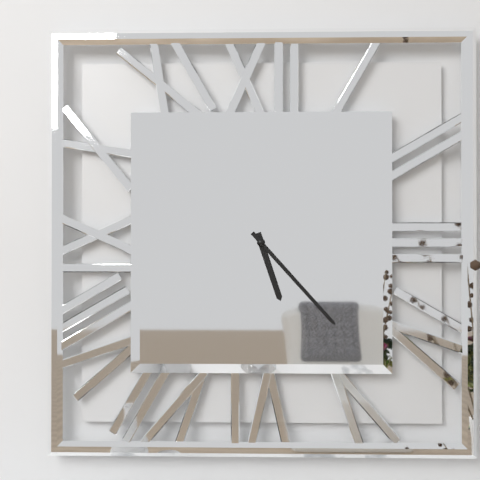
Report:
**5:23**
